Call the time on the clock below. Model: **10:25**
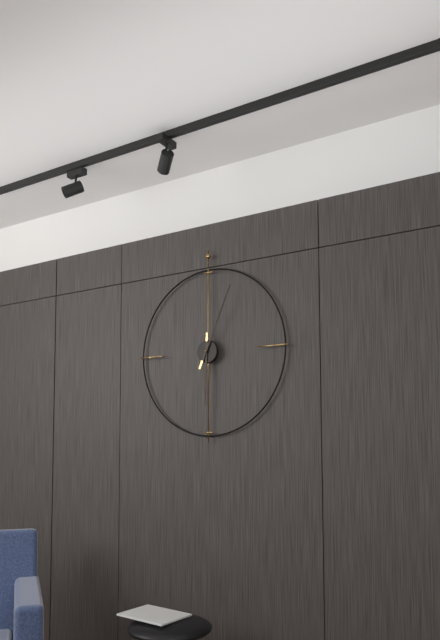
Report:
**6:04**
